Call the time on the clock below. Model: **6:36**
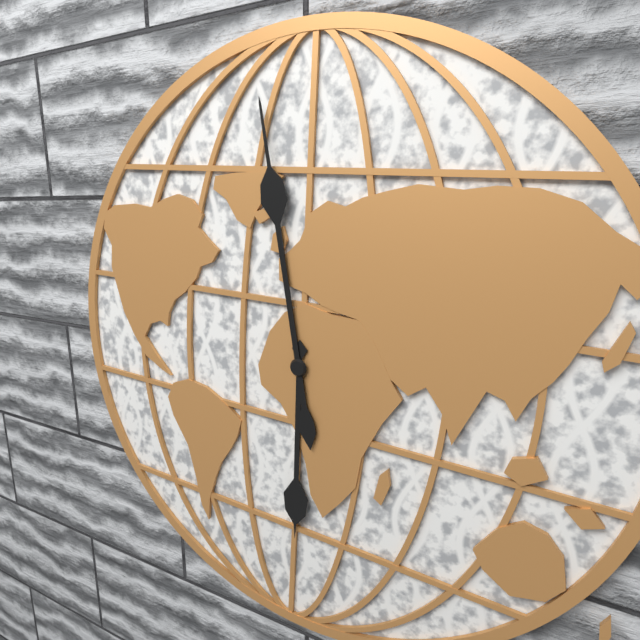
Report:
**5:58**
